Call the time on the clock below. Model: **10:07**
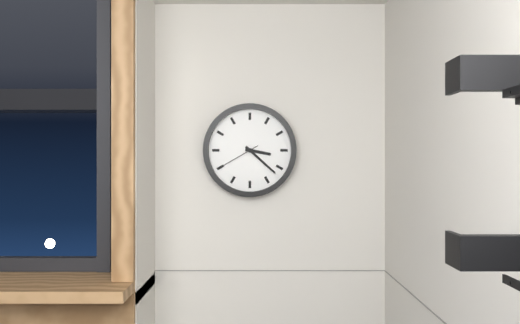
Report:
**3:22**
